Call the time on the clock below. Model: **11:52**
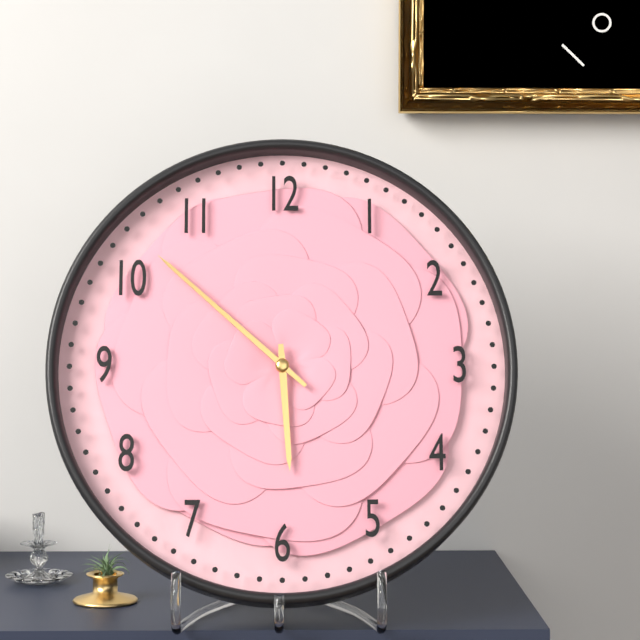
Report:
**5:52**
